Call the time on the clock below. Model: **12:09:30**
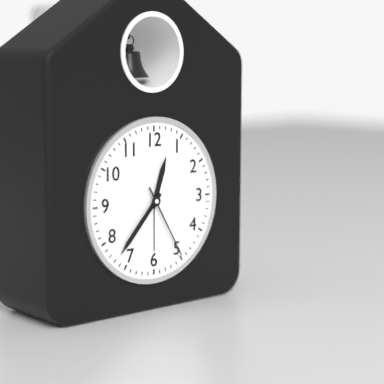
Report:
**12:37:25**
